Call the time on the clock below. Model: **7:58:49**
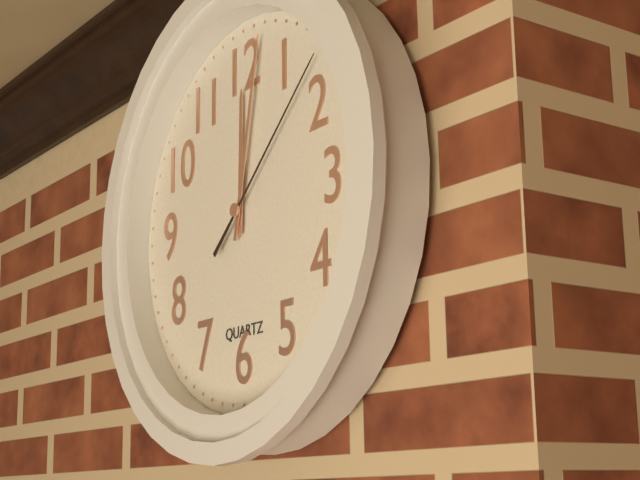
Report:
**12:02:08**
